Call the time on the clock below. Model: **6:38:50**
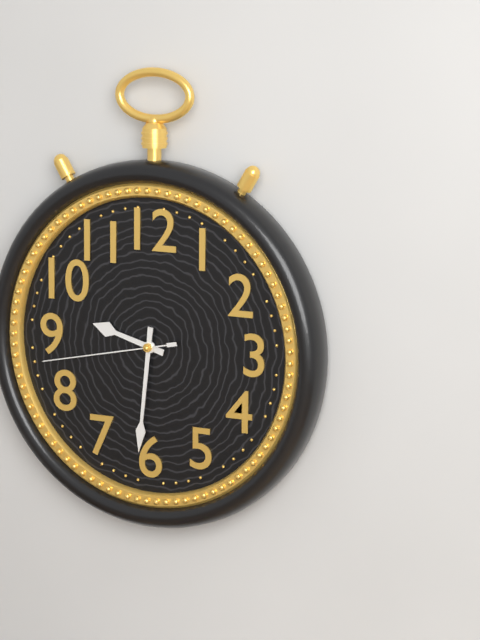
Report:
**9:31:43**
